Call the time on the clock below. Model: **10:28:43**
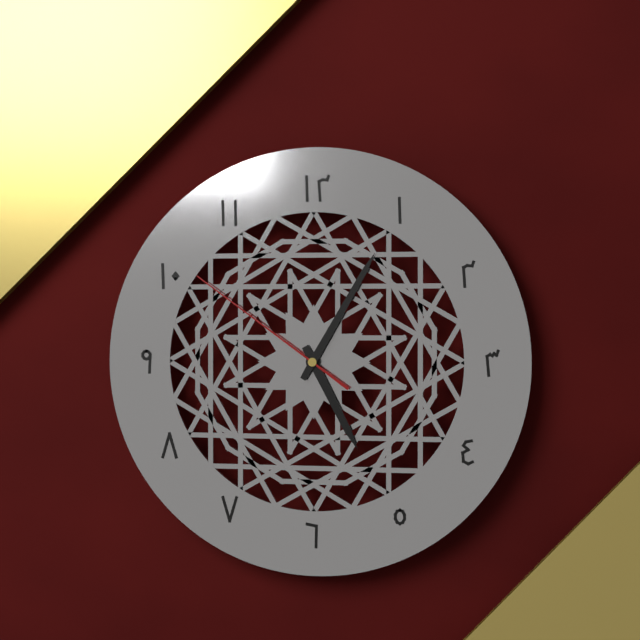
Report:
**5:05:51**
